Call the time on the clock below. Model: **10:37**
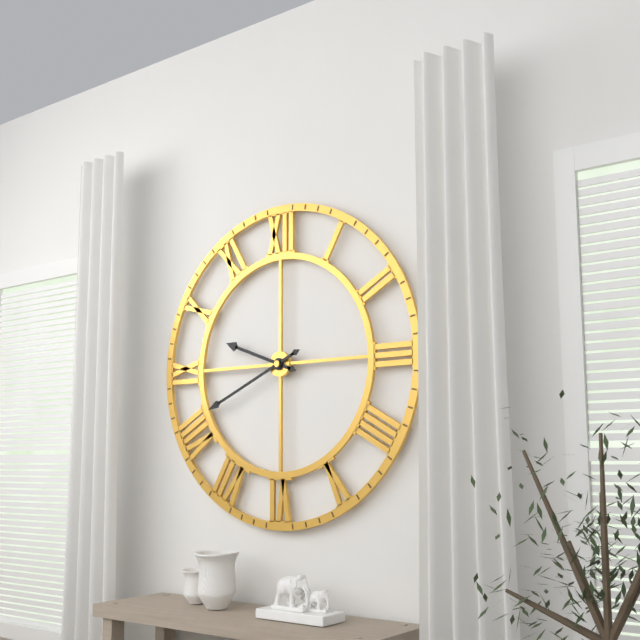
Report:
**9:41**
